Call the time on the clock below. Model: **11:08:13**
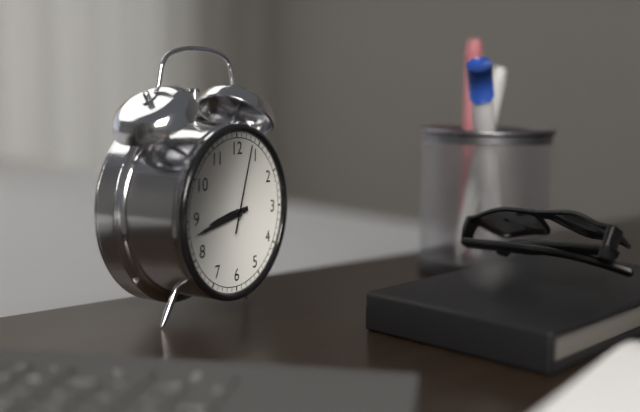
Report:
**8:43:03**
